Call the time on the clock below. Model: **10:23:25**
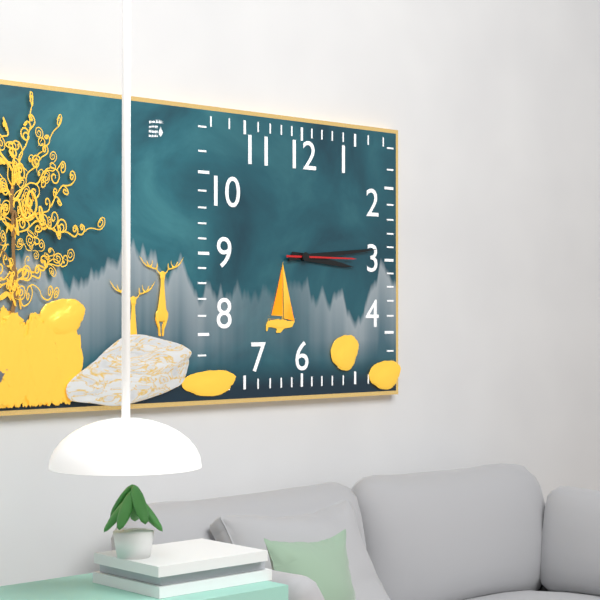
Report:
**3:14:15**
